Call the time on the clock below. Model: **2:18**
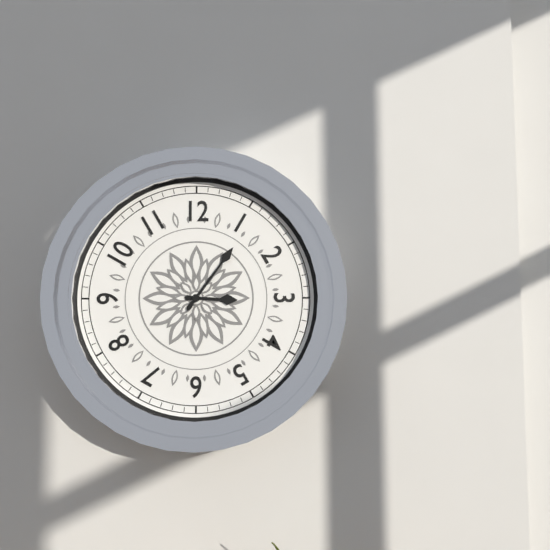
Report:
**3:06**
